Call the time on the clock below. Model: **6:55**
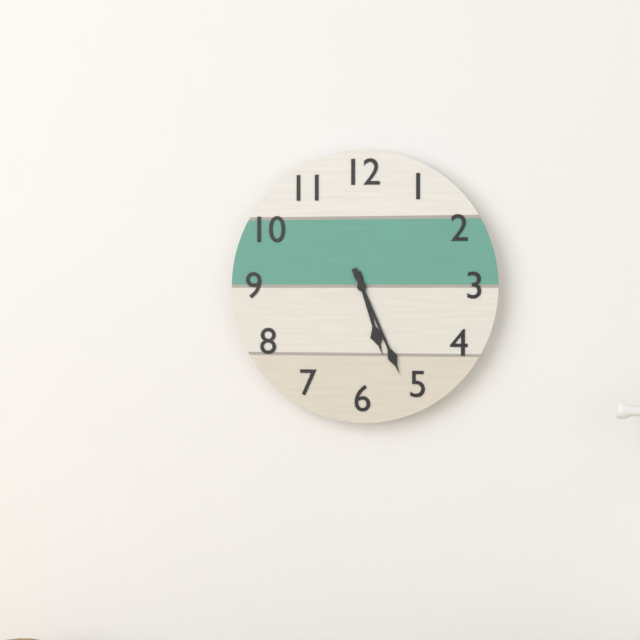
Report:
**5:26**
